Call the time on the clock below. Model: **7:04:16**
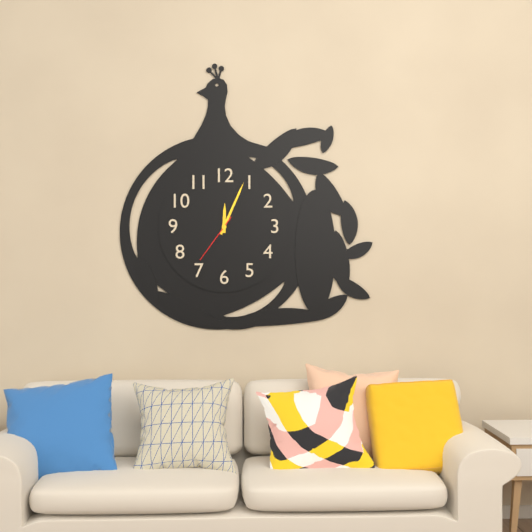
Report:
**12:04:36**
